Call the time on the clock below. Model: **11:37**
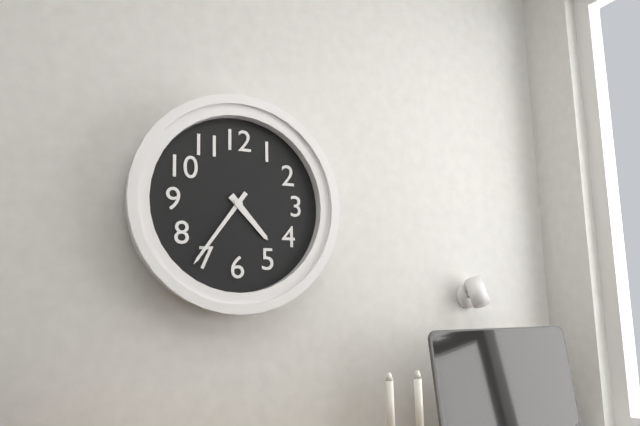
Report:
**4:36**
